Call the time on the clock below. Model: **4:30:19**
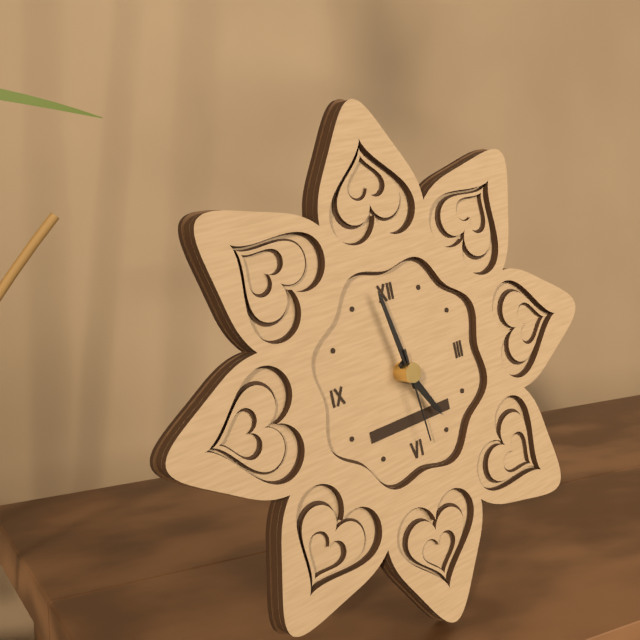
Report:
**4:58:29**
